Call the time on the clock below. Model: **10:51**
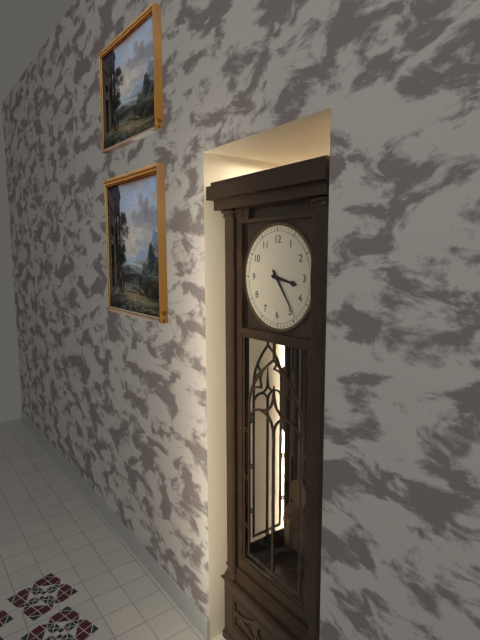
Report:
**3:24**
